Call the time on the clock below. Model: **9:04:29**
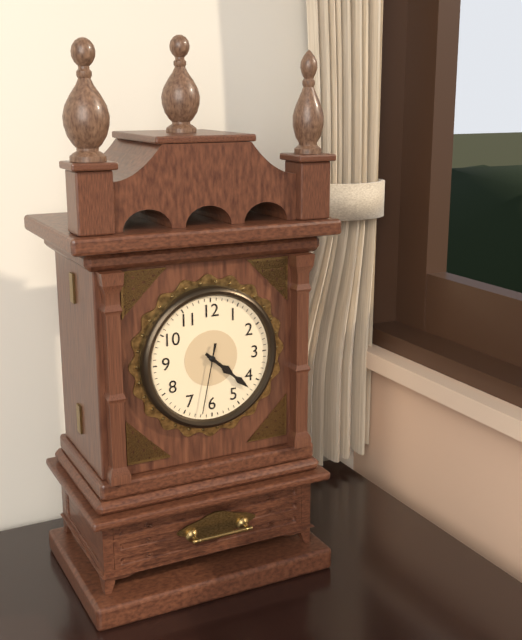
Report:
**4:22:32**
